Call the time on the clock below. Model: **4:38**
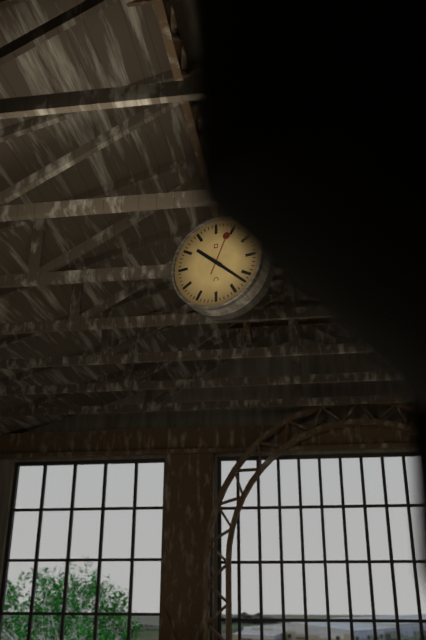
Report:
**10:22**
